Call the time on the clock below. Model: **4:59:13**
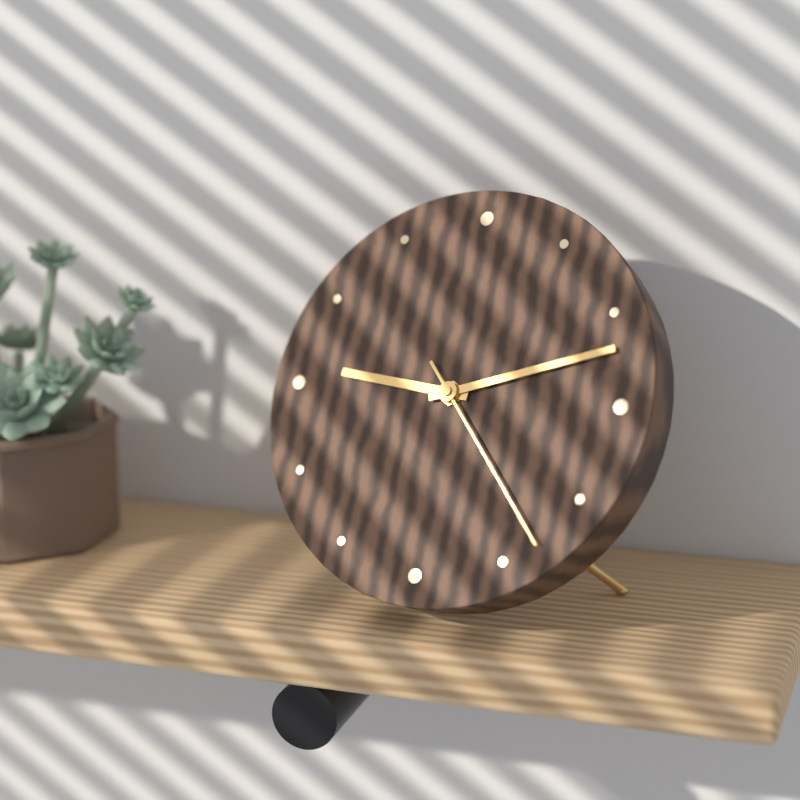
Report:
**9:12:23**
